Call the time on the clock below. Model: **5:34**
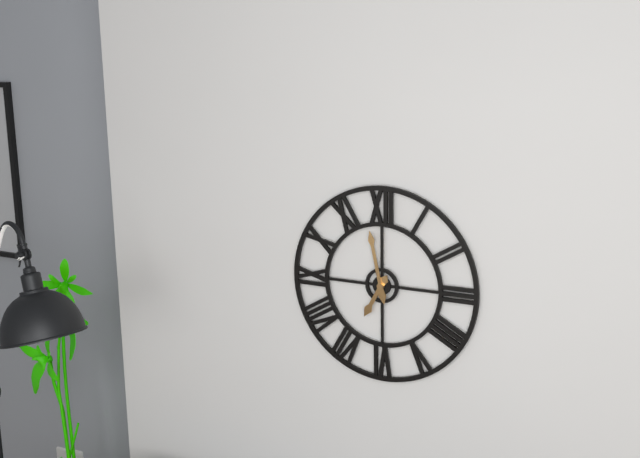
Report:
**6:58**
